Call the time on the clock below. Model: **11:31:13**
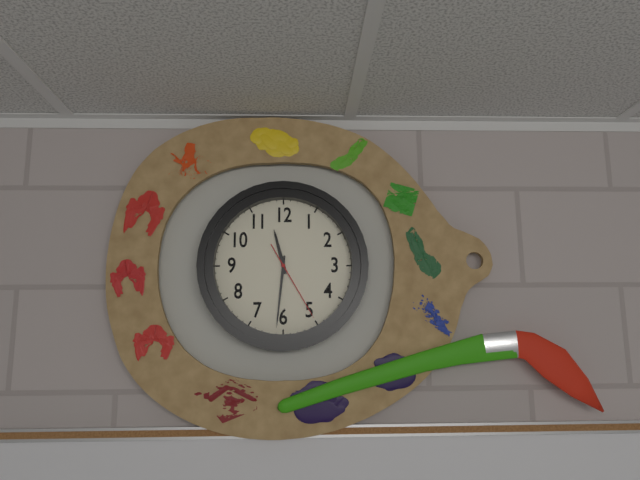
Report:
**11:31:25**
